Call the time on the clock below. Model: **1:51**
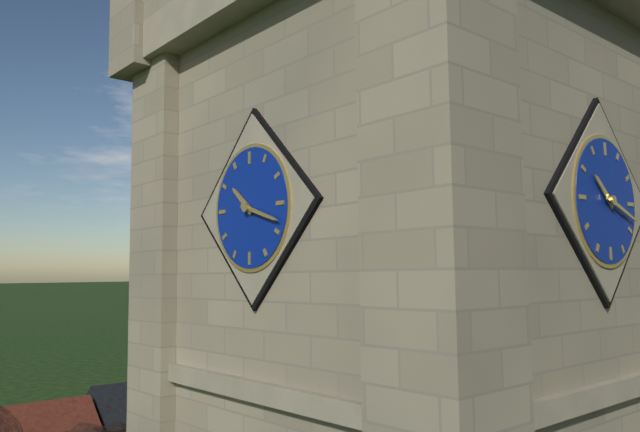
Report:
**10:18**
